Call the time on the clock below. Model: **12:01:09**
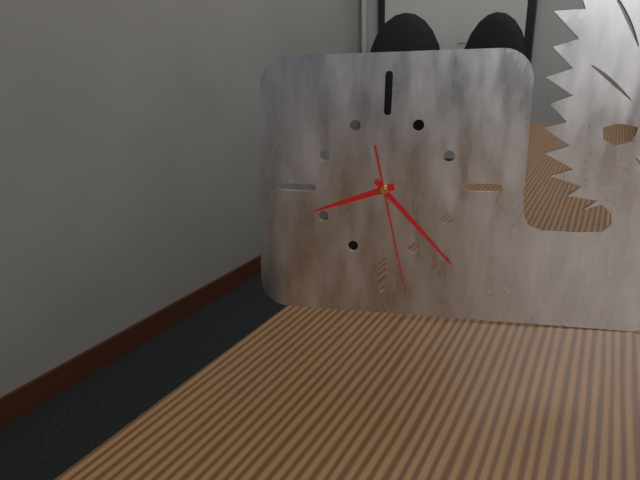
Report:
**8:23:28**
